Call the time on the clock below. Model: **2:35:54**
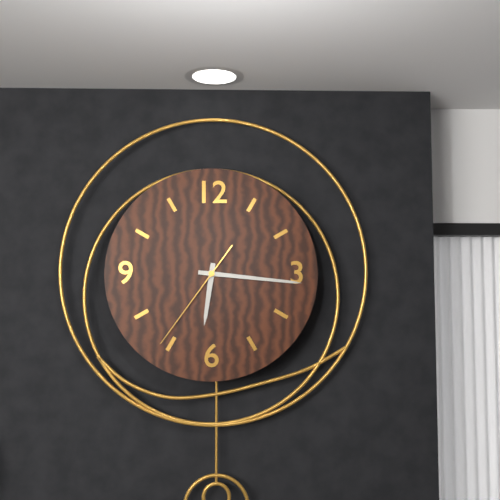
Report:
**6:16:36**
